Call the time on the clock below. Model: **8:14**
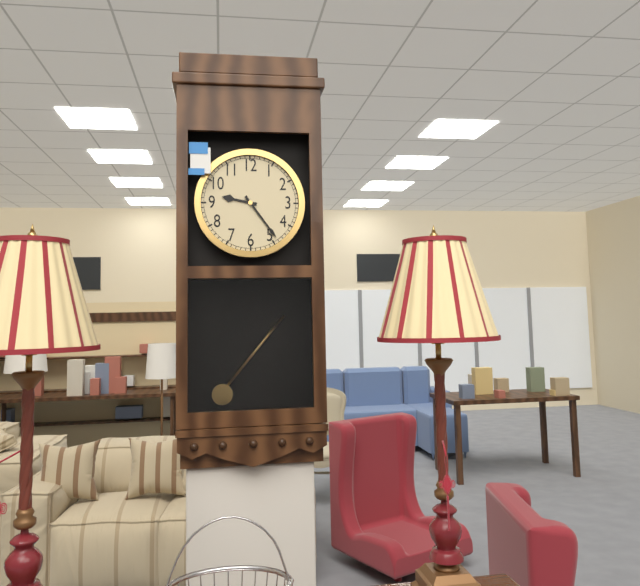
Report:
**9:24**
